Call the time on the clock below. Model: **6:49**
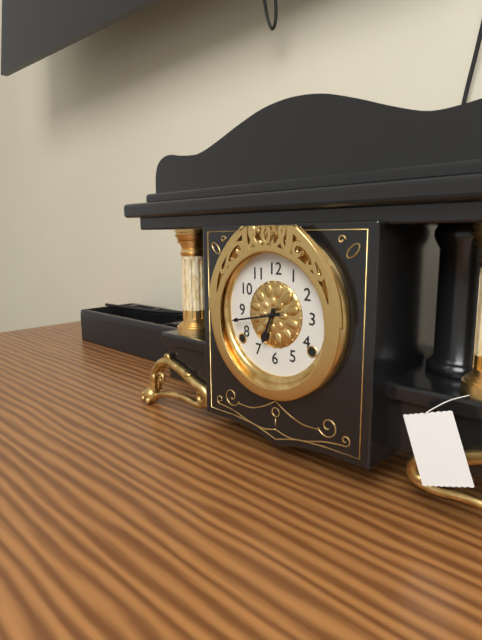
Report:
**6:43**
